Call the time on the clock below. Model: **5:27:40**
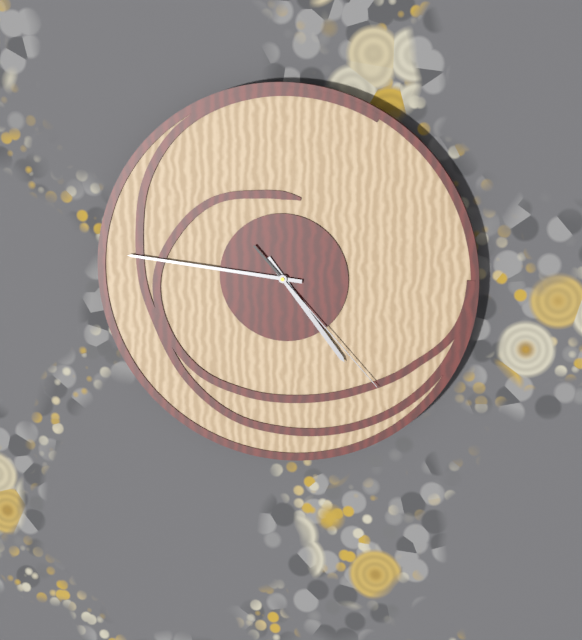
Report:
**4:46:23**
